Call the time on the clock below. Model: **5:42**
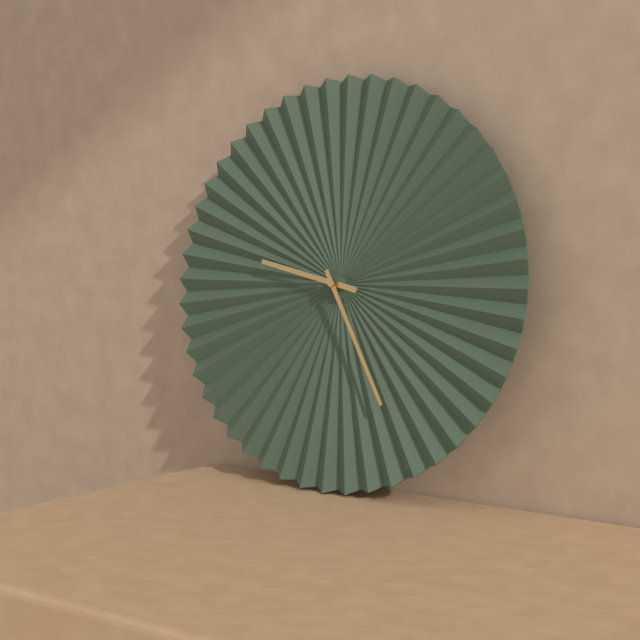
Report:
**9:25**
